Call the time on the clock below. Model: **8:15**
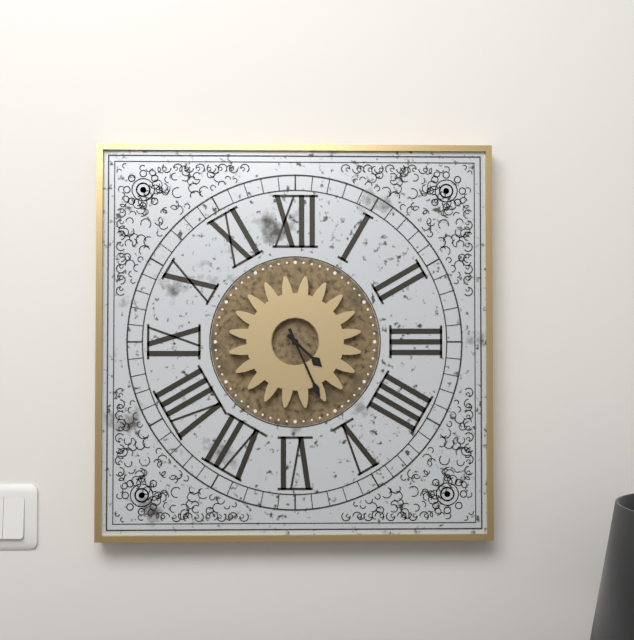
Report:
**4:26**
